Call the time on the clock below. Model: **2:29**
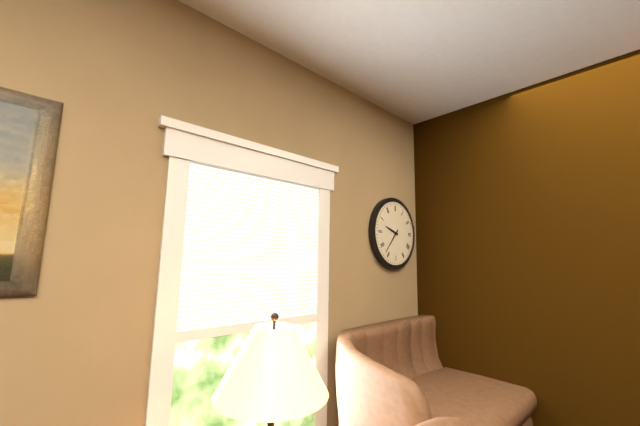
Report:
**9:37**
